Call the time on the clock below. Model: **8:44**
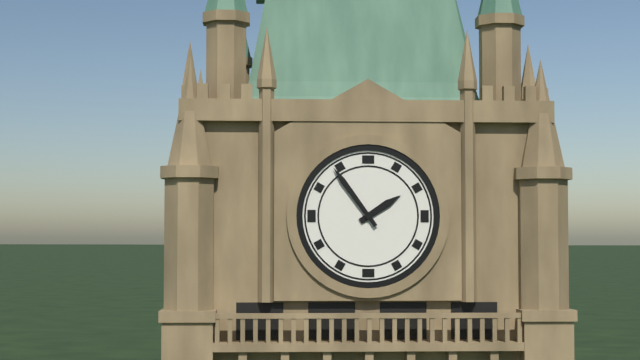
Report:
**1:54**
